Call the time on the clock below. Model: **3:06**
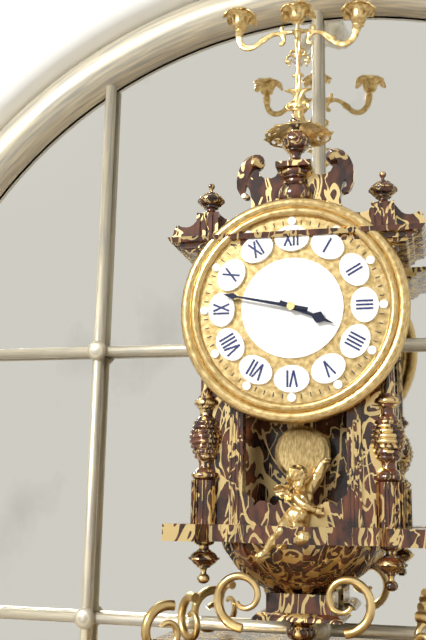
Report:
**3:47**
